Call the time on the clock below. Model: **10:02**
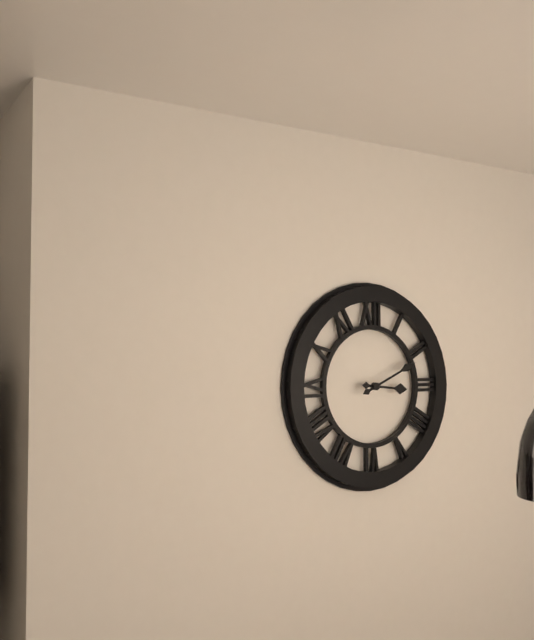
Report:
**3:11**
